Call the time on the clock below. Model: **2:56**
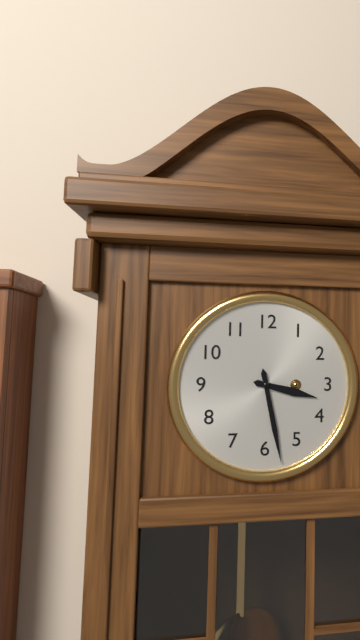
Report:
**3:28**
